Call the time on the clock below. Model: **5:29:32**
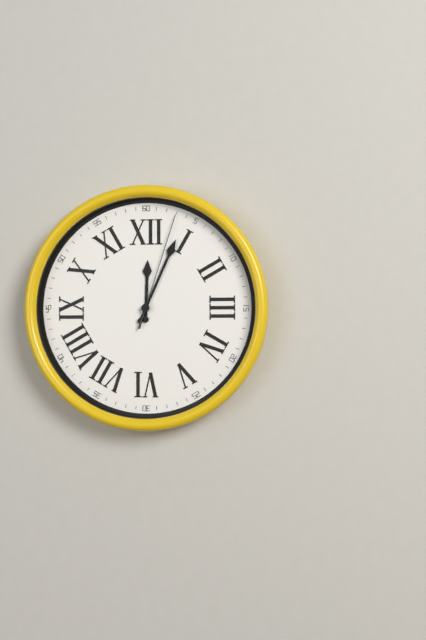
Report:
**12:04:03**
